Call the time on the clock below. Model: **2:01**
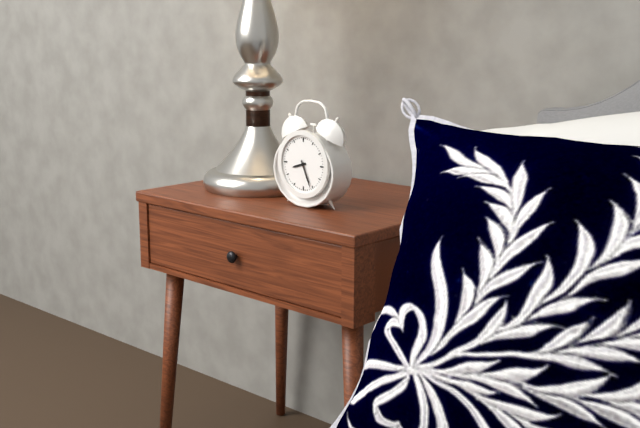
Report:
**8:26**
